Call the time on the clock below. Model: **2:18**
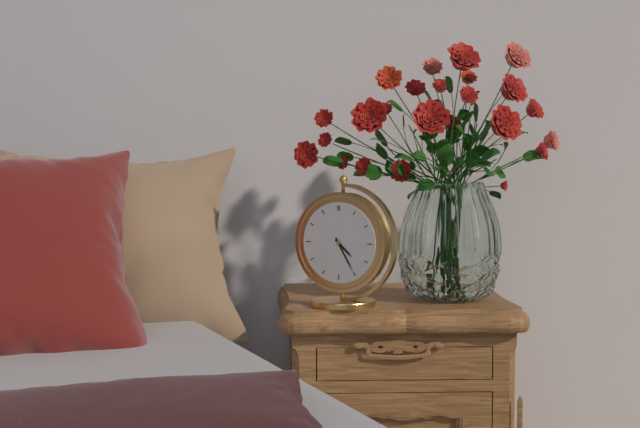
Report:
**4:25**
